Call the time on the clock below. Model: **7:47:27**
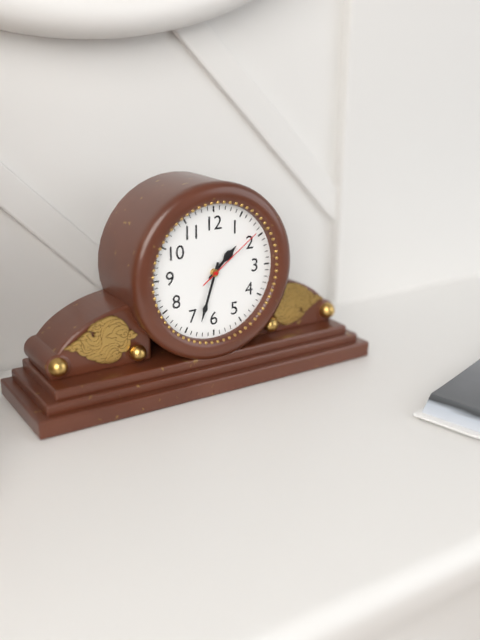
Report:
**1:33:09**
